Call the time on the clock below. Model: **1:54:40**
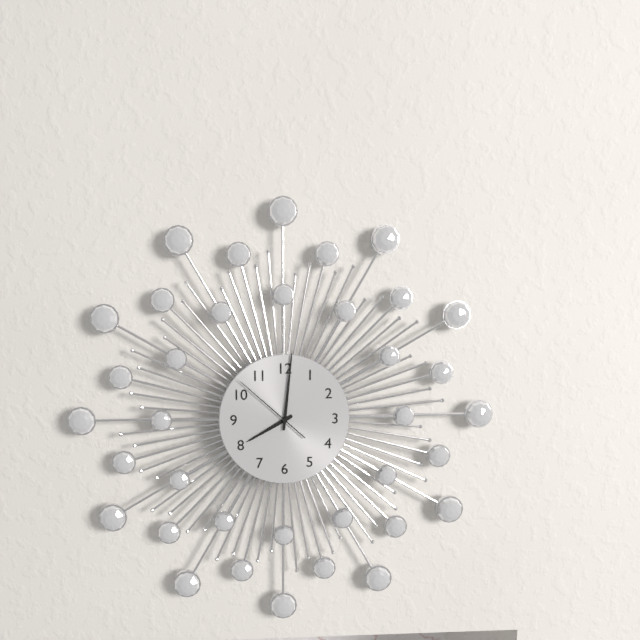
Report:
**8:01:52**
